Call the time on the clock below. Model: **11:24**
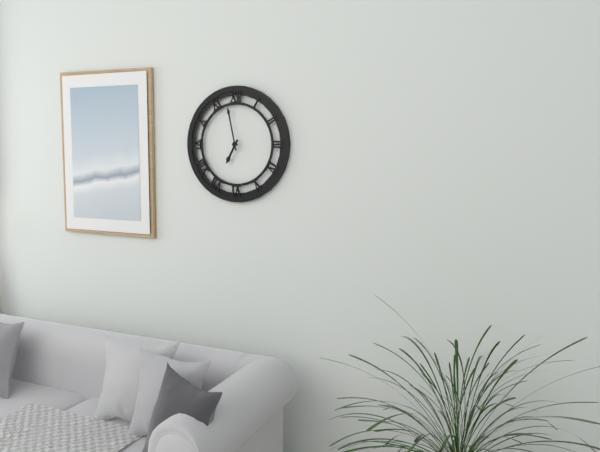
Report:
**6:58**
